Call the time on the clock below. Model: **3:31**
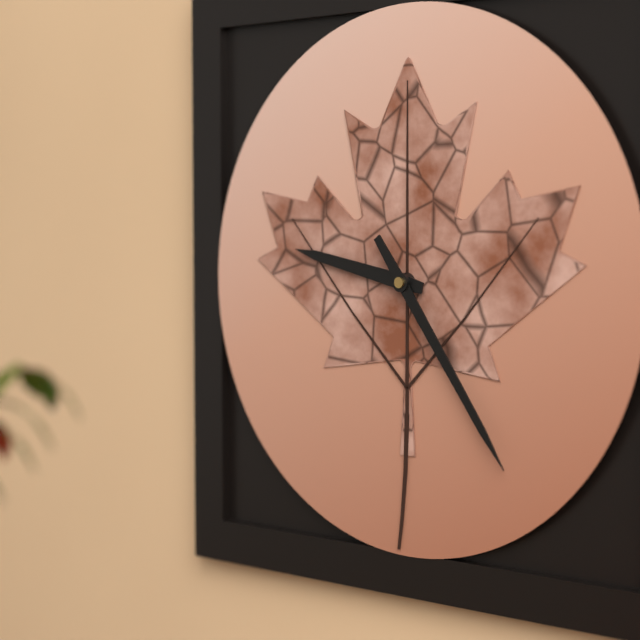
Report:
**9:24**
